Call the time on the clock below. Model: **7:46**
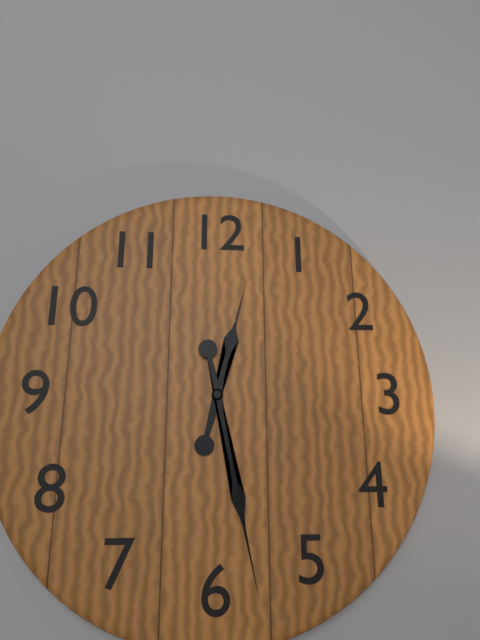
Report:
**12:28**
